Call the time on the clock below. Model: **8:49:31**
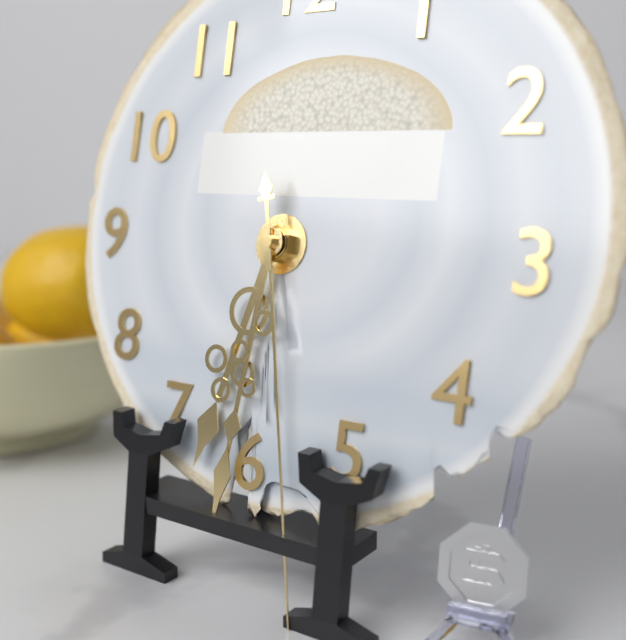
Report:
**6:31:28**
